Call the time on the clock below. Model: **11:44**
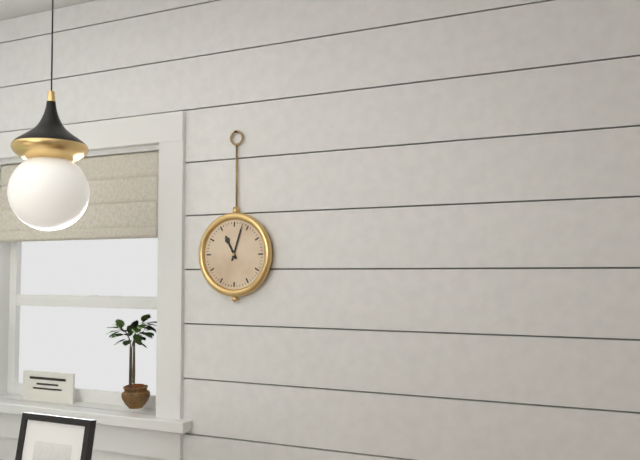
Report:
**11:03**
